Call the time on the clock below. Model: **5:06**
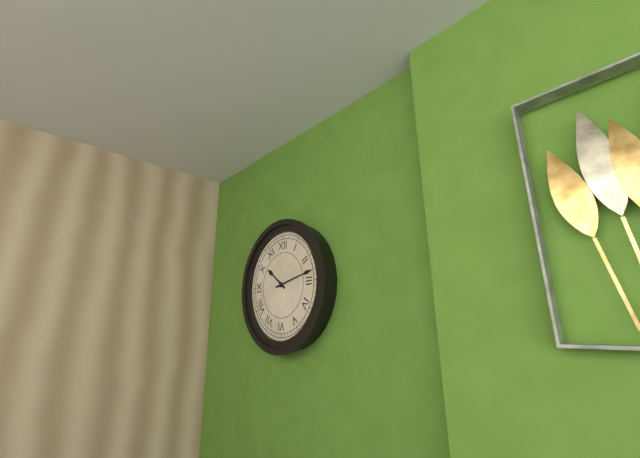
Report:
**10:13**
